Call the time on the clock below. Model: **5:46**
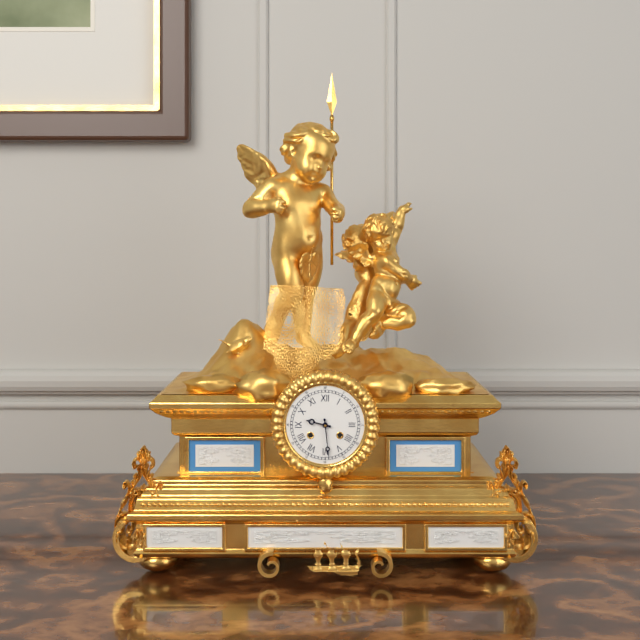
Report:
**9:29**
